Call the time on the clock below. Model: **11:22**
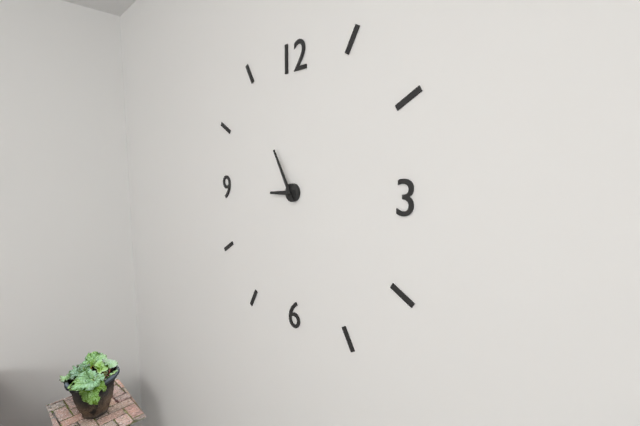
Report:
**8:55**
